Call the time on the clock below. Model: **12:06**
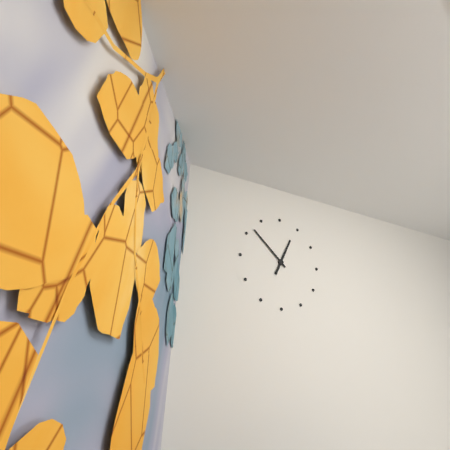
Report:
**12:52**
